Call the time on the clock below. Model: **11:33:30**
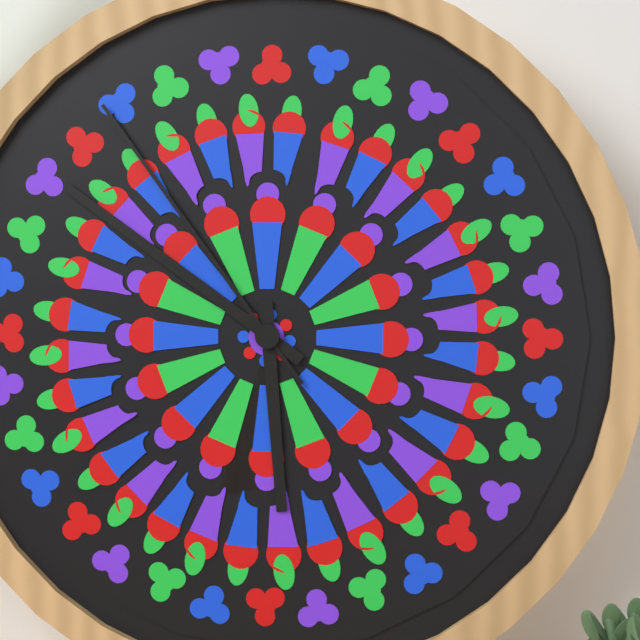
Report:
**5:51:54**
